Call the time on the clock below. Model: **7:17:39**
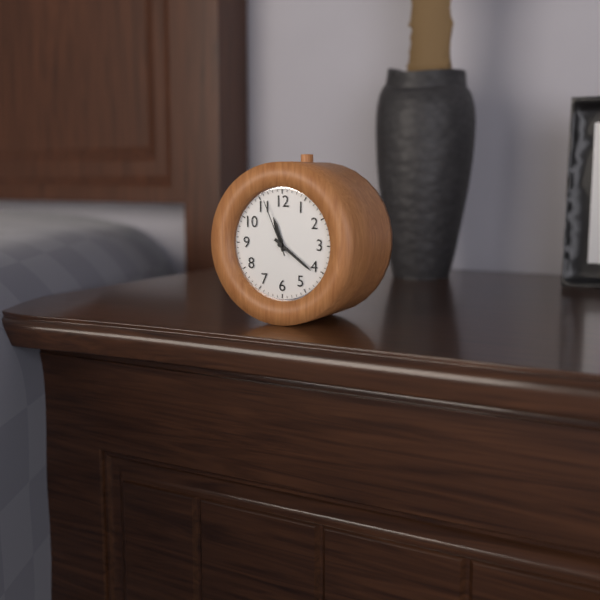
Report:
**11:21:56**
